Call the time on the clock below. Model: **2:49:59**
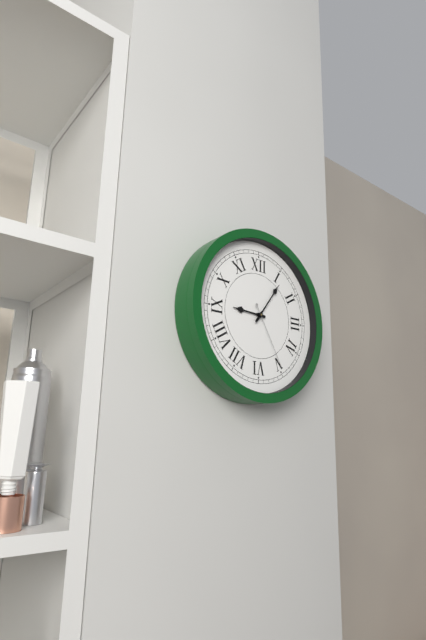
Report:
**9:06:25**
